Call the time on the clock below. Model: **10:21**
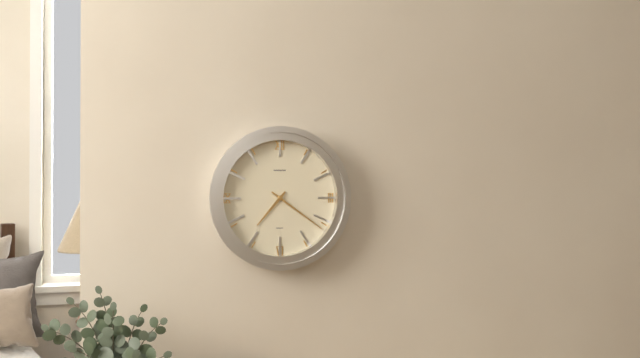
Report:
**7:21**
